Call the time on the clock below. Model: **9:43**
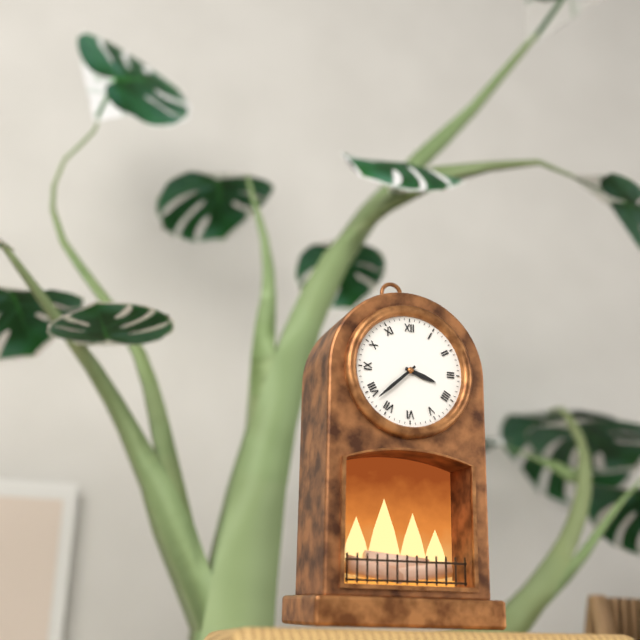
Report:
**3:38**
